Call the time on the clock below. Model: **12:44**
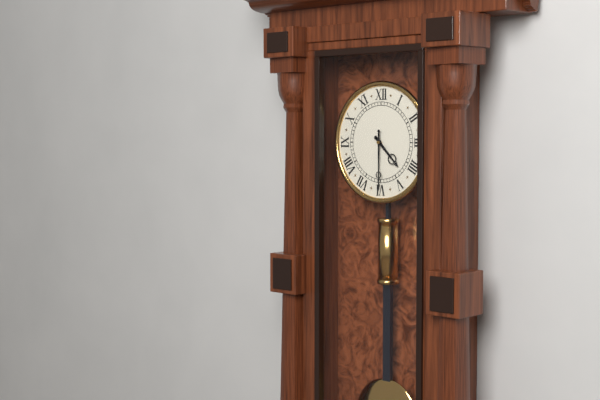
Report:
**4:30**
